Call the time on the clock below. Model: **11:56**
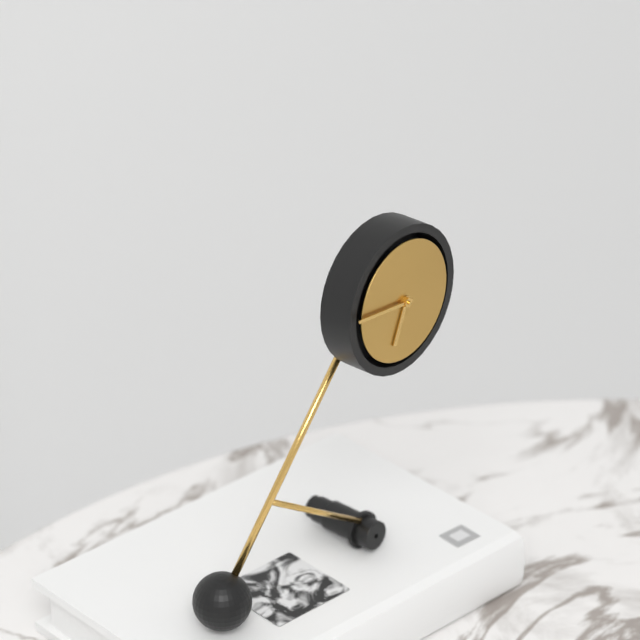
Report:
**6:46**
